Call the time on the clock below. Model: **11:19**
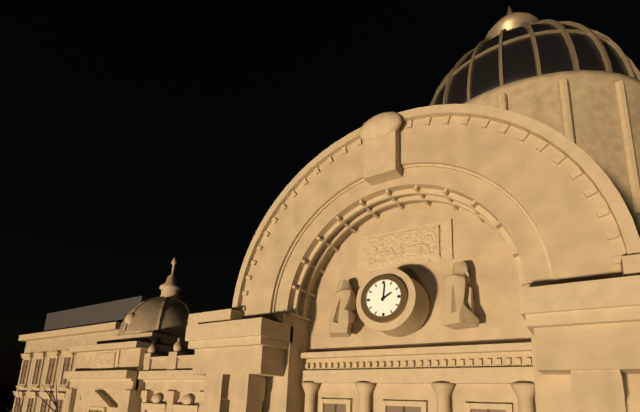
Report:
**2:01**
